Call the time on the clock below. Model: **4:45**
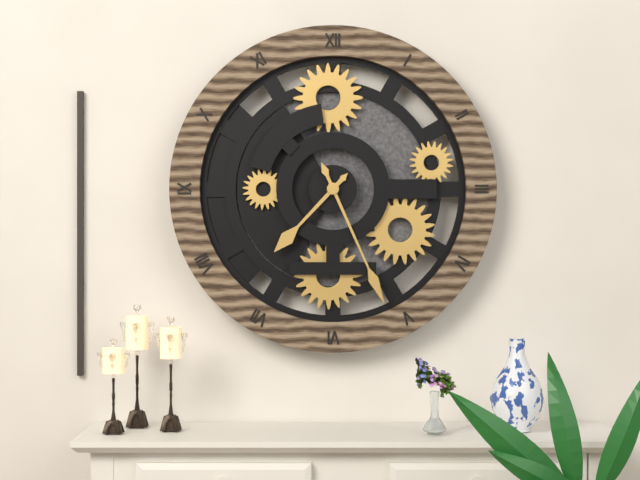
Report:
**7:26**
